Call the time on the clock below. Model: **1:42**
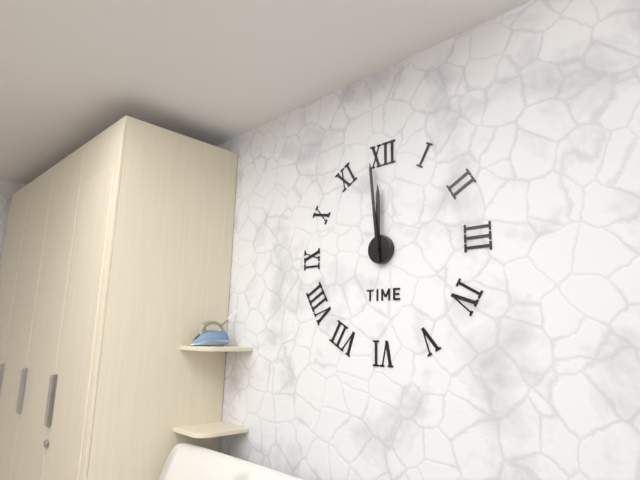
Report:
**11:59**
